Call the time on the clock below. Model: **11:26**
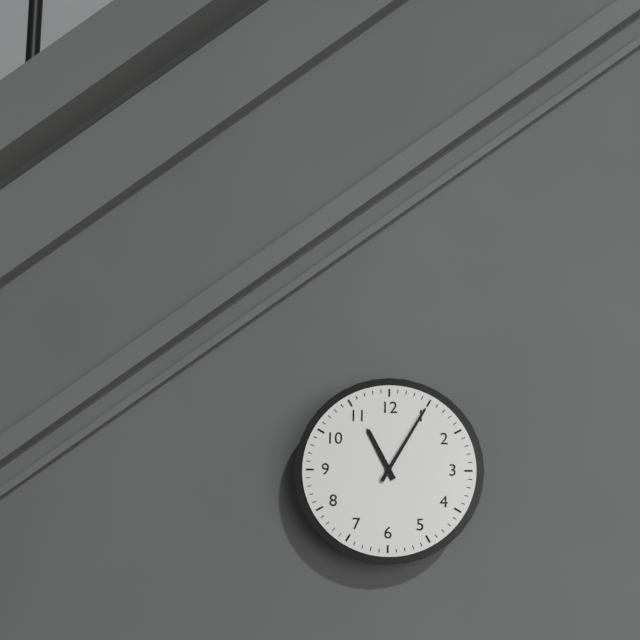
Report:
**11:05**
